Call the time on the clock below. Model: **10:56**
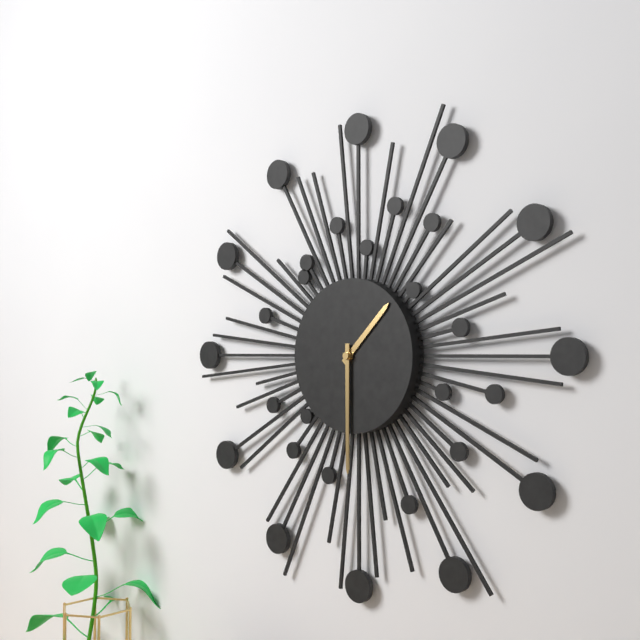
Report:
**1:30**
